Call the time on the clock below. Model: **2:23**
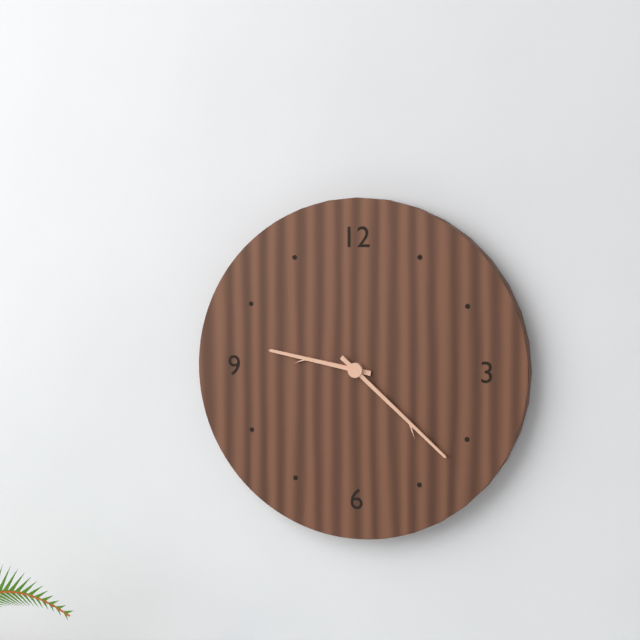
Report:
**9:22**
